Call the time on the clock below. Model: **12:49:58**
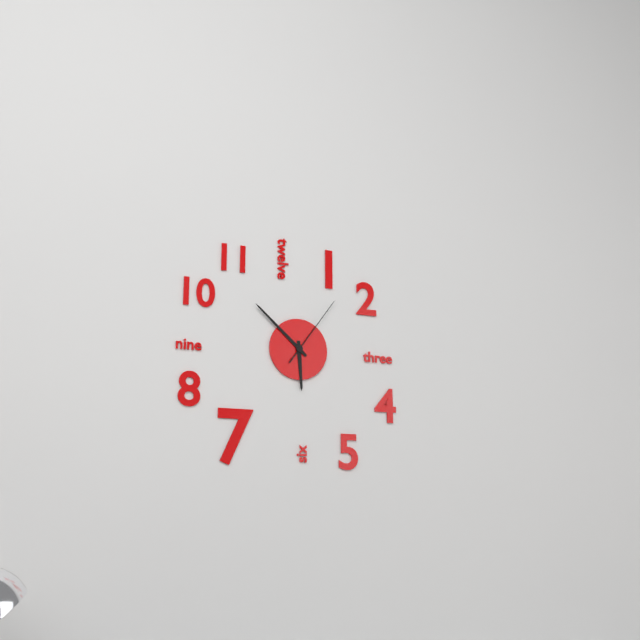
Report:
**5:52:06**
